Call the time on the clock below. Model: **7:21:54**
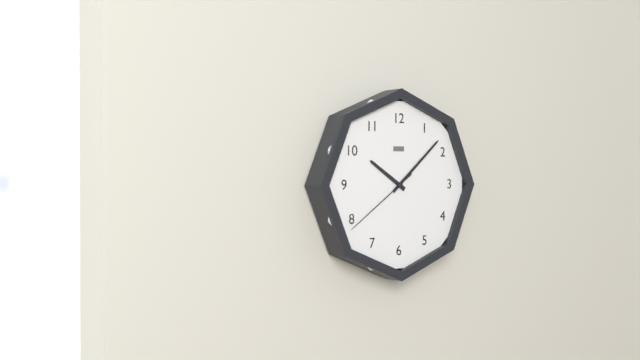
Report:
**10:08:39**
